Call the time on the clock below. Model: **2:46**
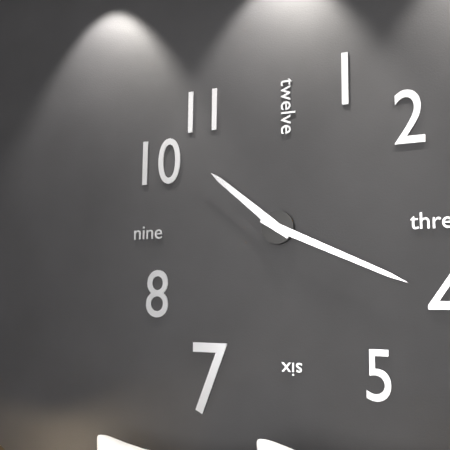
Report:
**10:19**
